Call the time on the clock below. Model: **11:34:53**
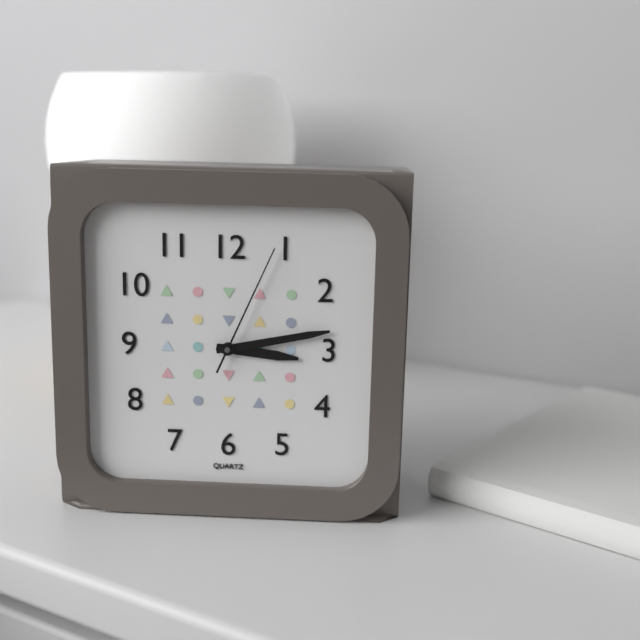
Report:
**3:13:04**
